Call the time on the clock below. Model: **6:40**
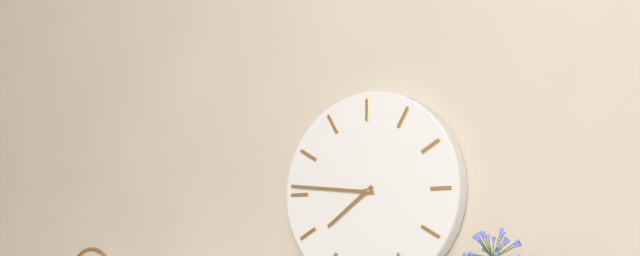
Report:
**7:46**
